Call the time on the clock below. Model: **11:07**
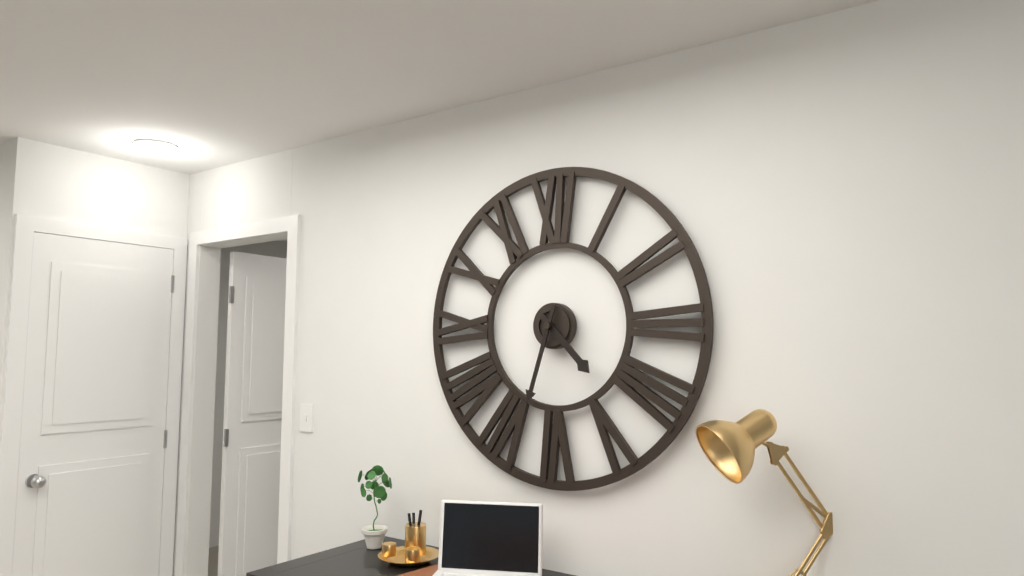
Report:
**4:33**
